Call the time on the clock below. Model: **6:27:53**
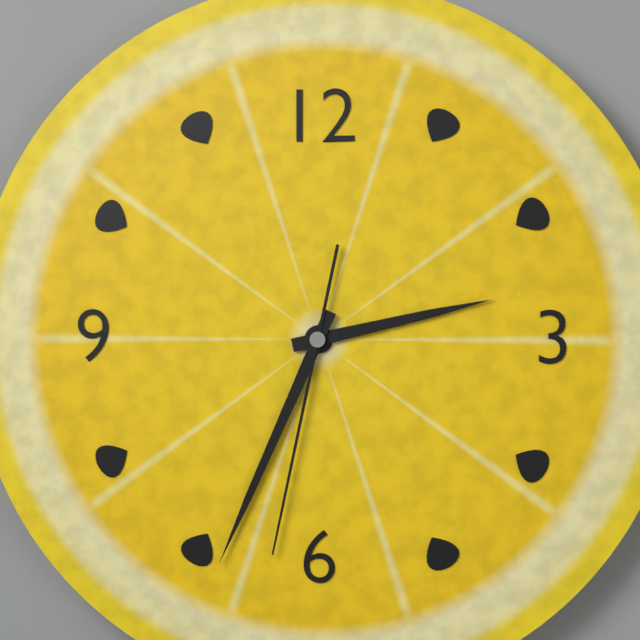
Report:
**2:34:32**
